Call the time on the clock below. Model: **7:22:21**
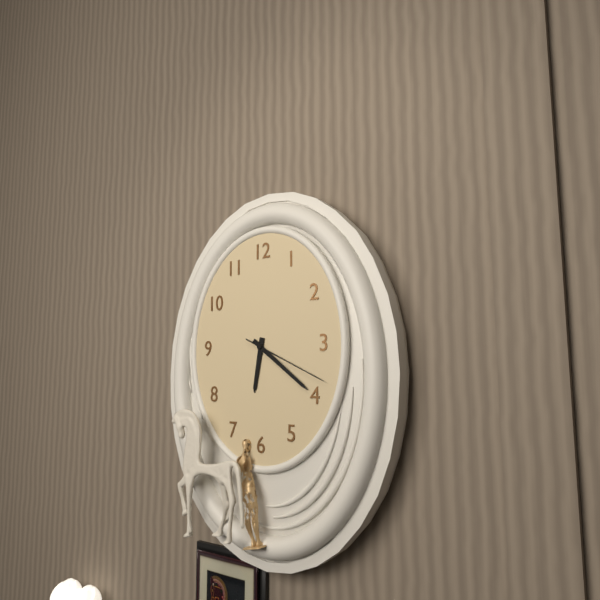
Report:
**6:21:19**
